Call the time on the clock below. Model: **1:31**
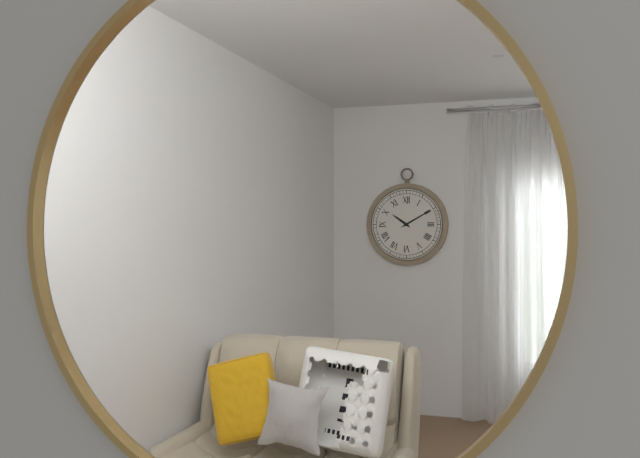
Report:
**10:10**
